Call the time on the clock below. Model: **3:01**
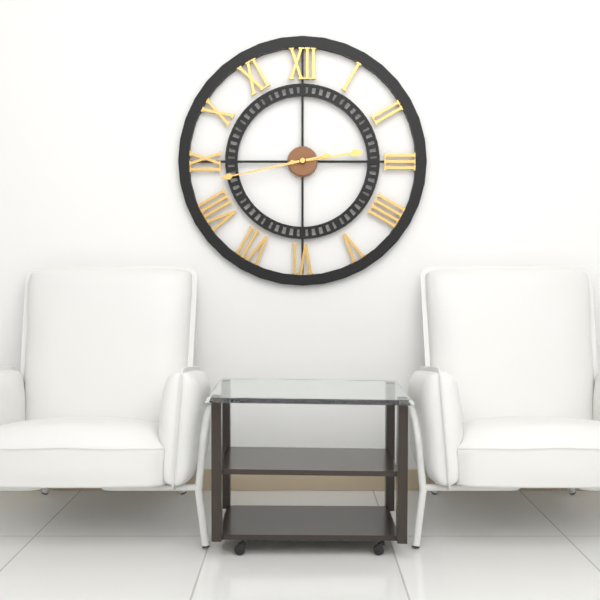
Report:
**2:43**
